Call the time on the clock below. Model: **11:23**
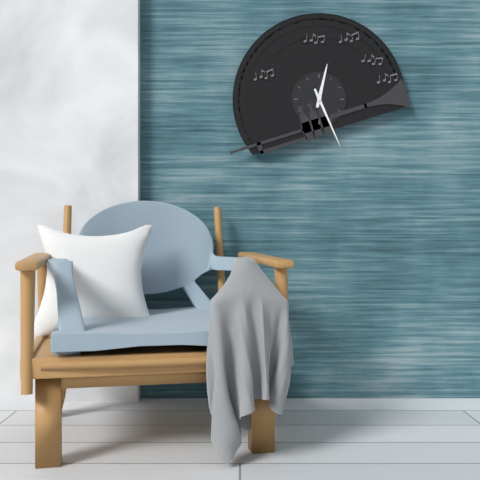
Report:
**12:26**
